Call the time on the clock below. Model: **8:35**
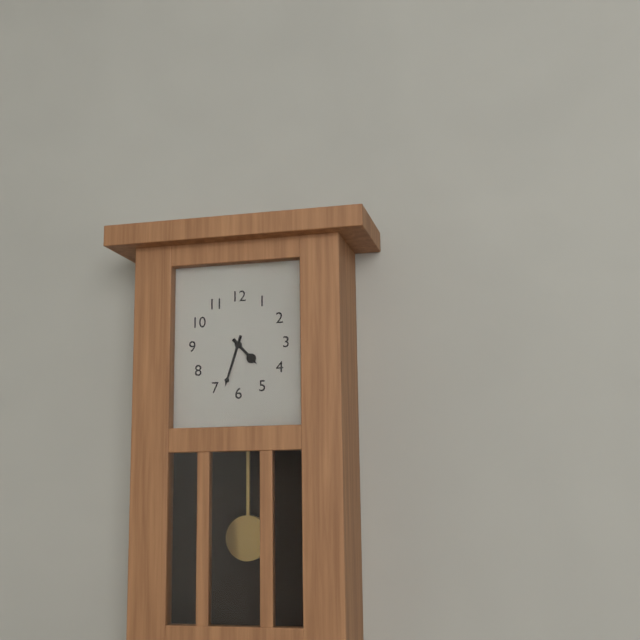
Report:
**4:33**
